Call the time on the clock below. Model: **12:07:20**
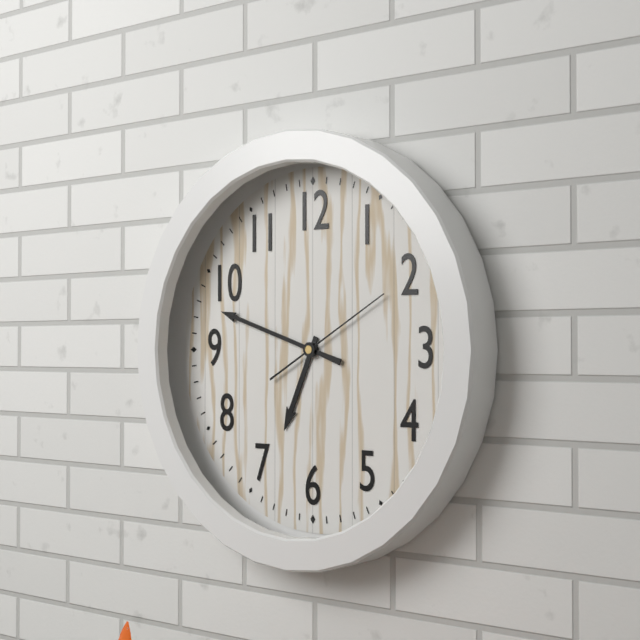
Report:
**6:48:10**
